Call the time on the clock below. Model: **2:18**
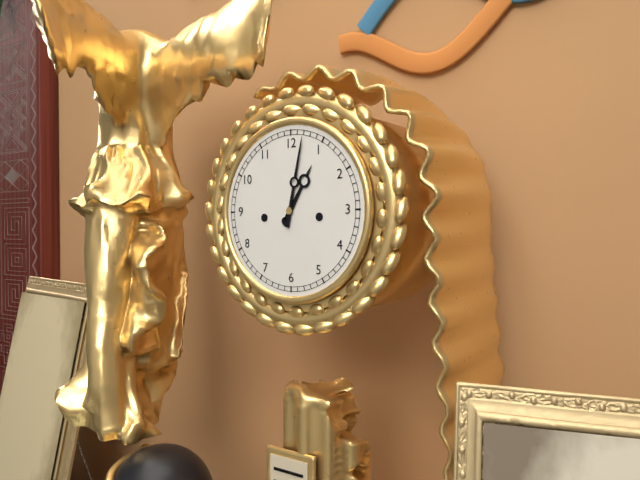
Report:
**1:02**
